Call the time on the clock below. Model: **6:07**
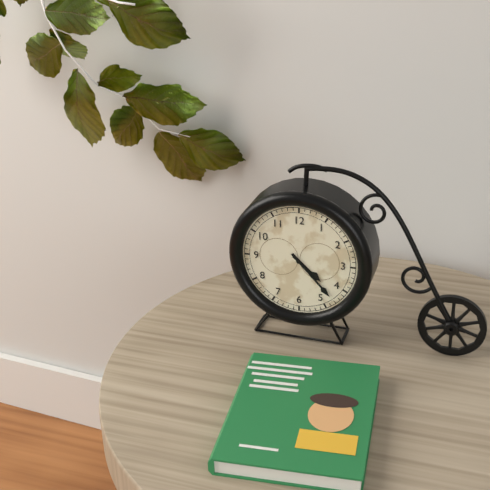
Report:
**4:23**
